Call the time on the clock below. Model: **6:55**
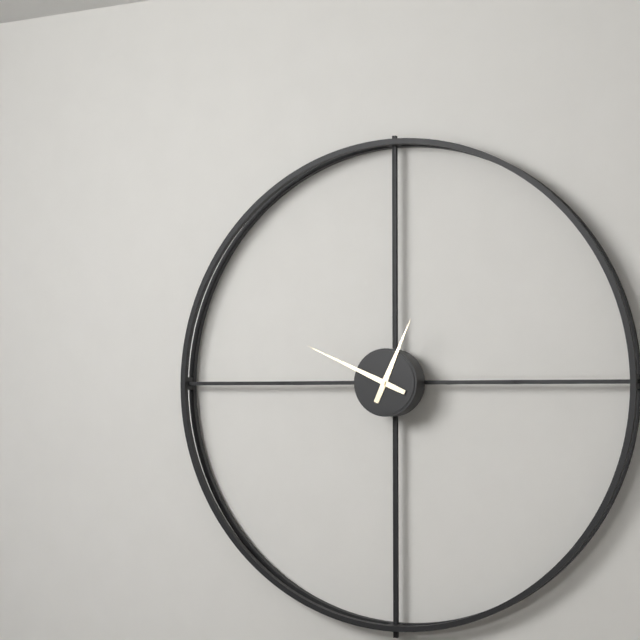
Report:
**12:49**
